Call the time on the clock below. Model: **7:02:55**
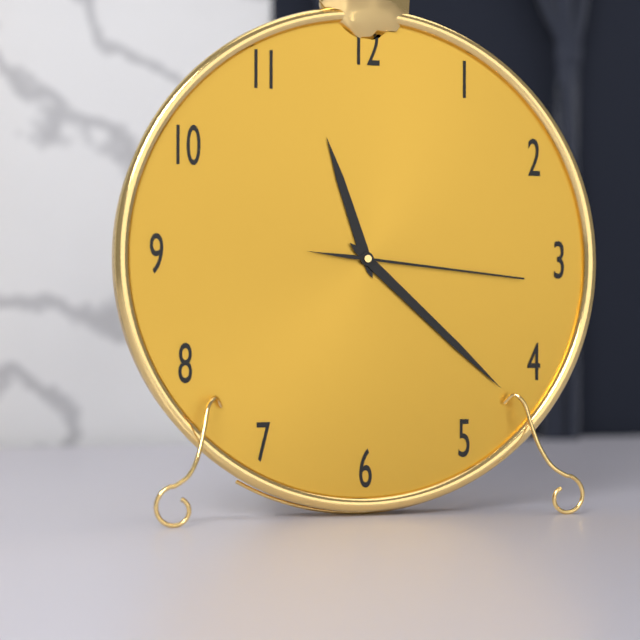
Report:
**11:22:16**
